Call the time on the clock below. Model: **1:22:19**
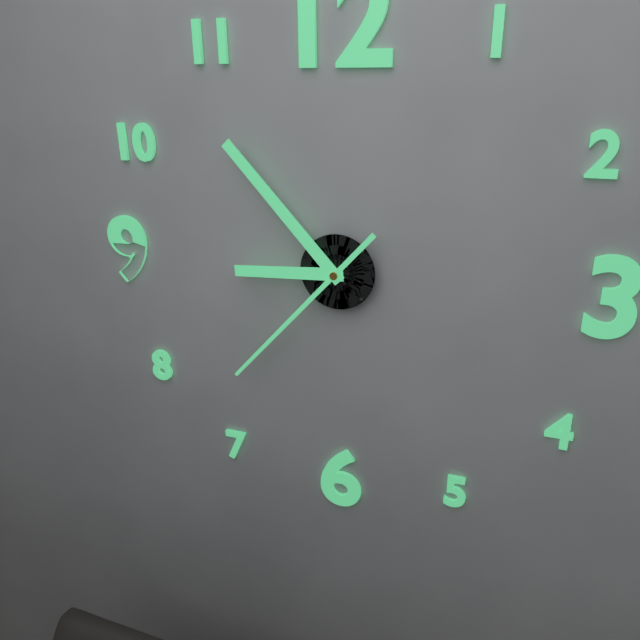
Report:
**8:53:37**
